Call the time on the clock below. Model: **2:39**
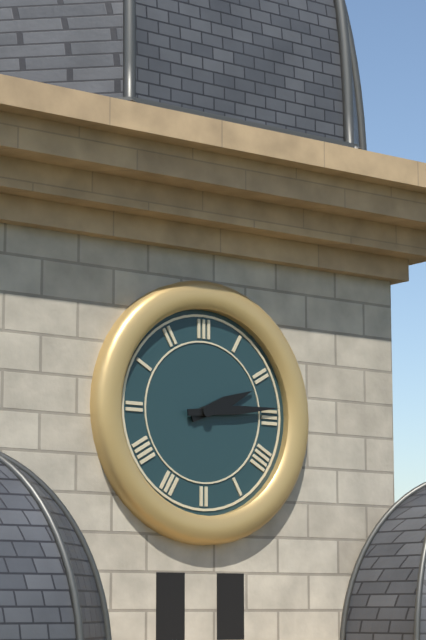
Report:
**2:14**
